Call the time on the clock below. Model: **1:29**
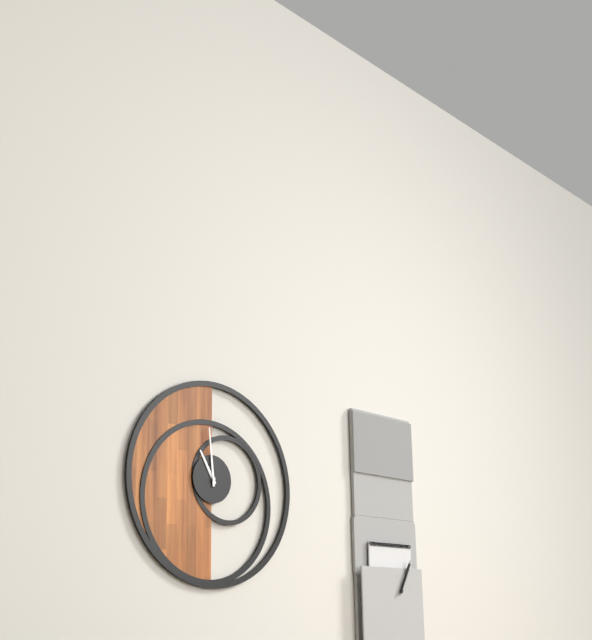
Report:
**10:59**
